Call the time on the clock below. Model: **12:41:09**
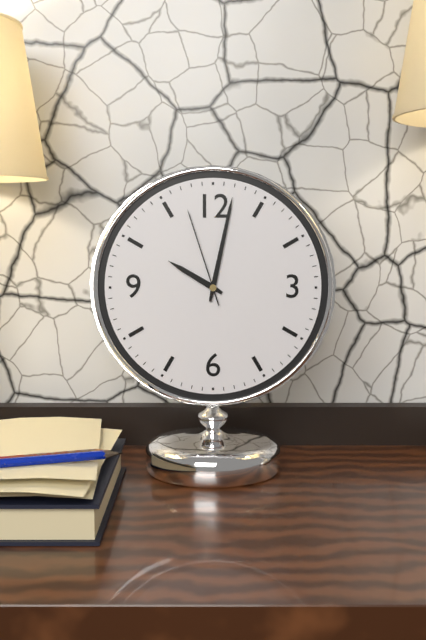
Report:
**10:02:57**
